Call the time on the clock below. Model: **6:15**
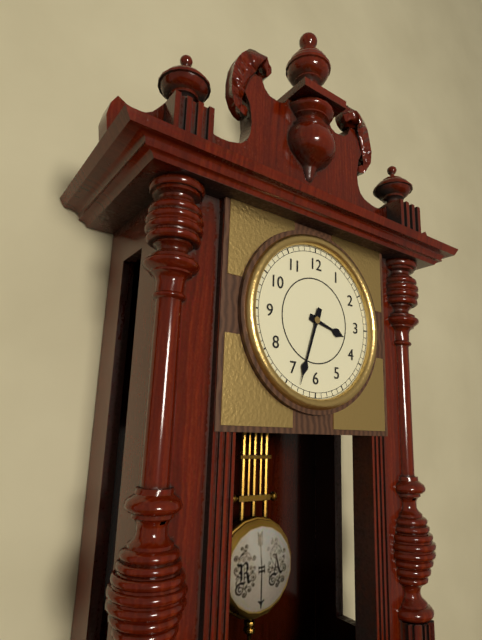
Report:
**3:33**
